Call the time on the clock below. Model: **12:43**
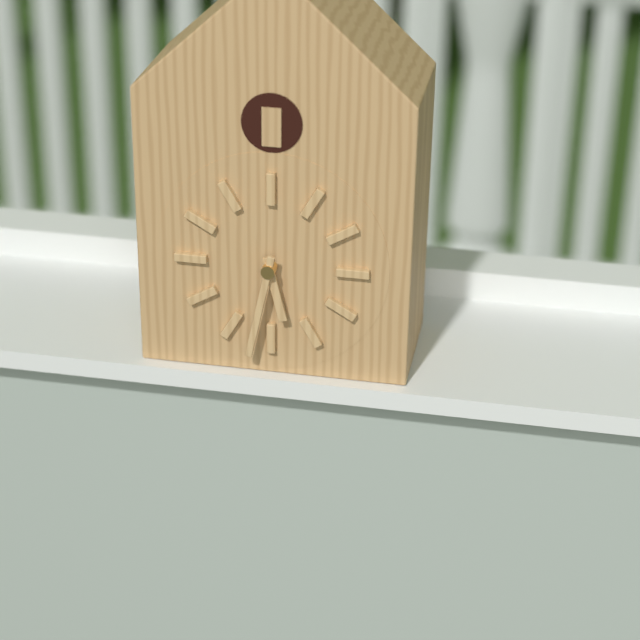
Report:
**5:32**
